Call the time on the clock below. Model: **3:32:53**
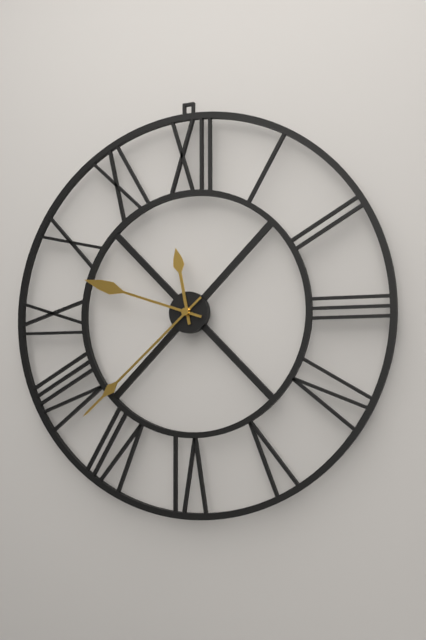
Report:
**11:38:48**
